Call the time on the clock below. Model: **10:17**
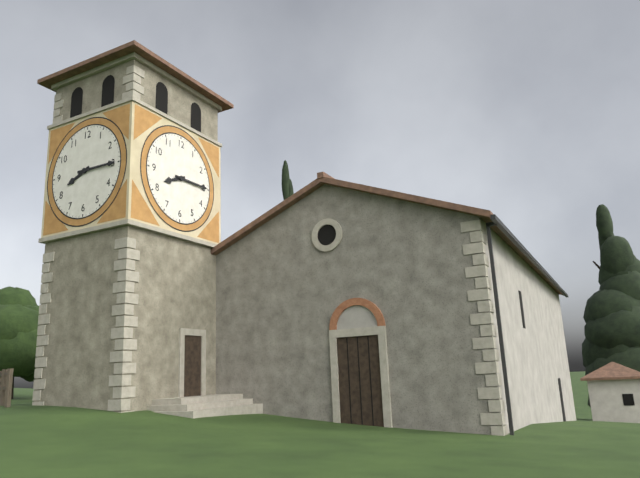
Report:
**8:15**
